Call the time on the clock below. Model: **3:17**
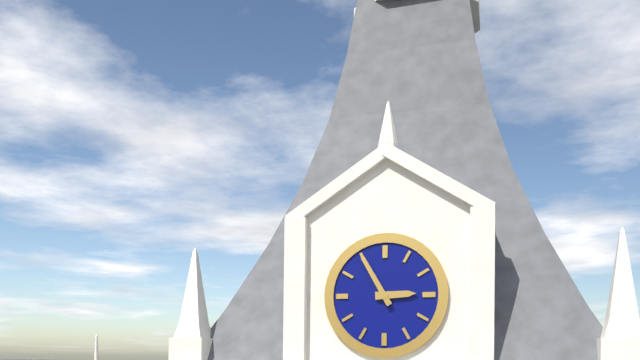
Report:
**2:55**
